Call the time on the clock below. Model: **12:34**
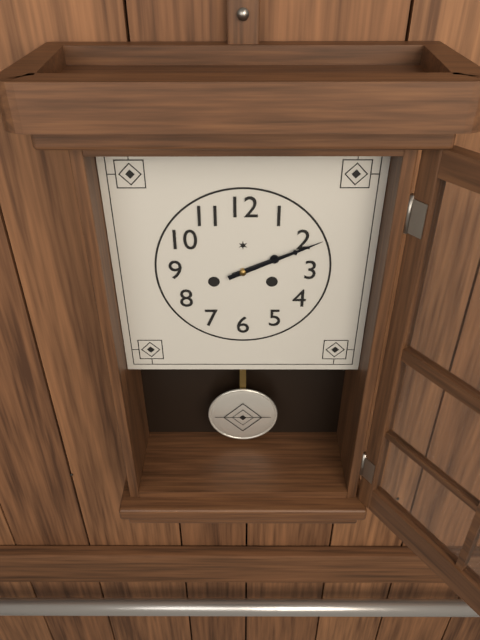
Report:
**2:11**
